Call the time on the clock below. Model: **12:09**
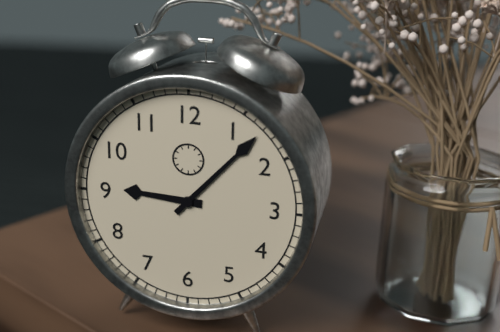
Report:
**9:07**
